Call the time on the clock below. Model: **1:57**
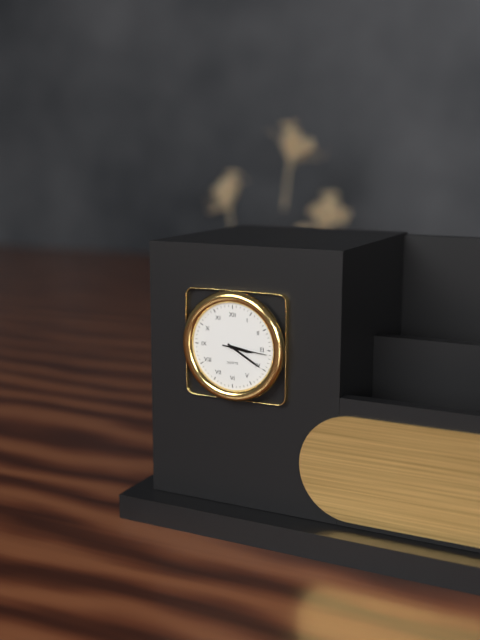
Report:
**3:20**
